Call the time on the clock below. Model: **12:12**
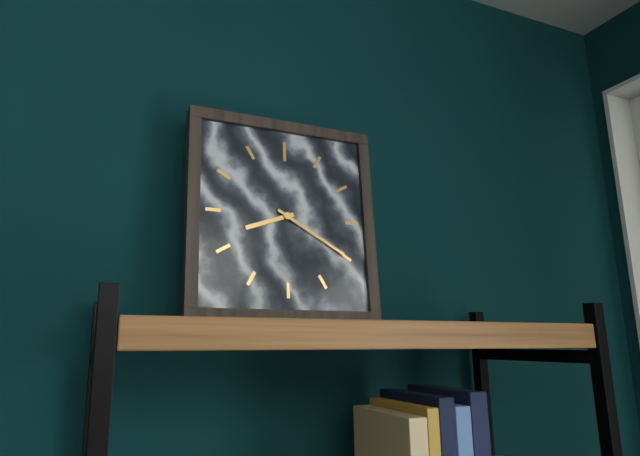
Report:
**8:20**
